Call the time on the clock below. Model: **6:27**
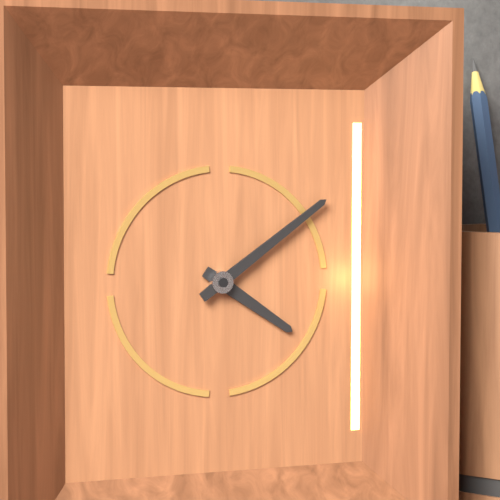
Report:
**4:09**
